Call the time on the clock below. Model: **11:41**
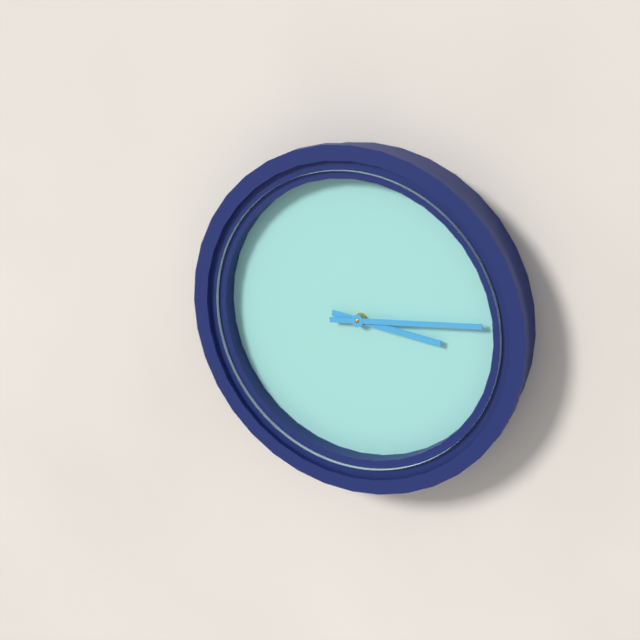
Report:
**3:14**
